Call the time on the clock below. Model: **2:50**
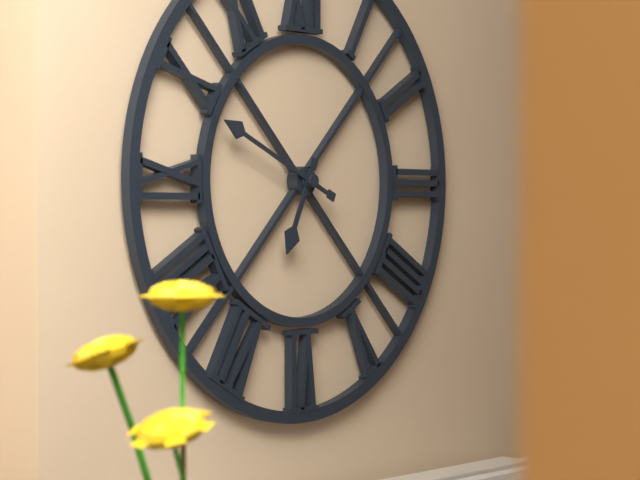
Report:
**6:49**
